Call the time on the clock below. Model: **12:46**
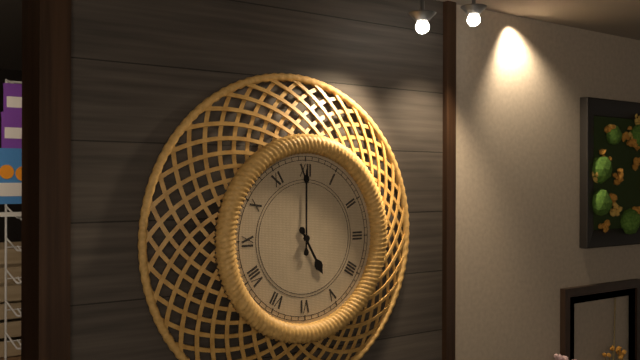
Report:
**5:00**
